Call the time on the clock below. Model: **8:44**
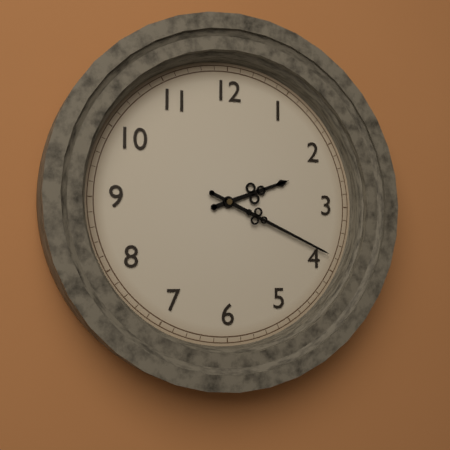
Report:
**2:19**
